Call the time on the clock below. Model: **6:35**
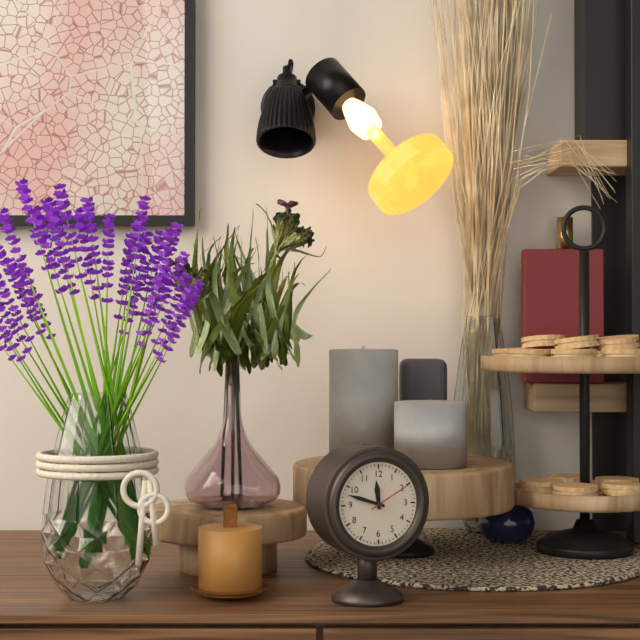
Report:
**11:48**
